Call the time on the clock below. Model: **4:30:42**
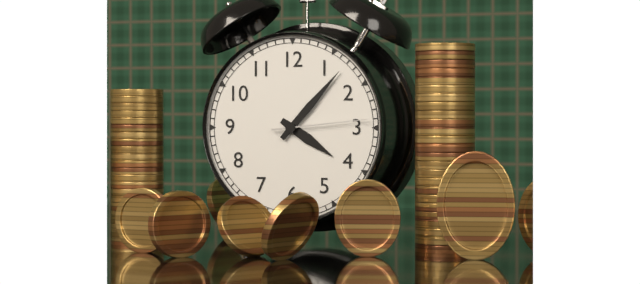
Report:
**4:07:14**
